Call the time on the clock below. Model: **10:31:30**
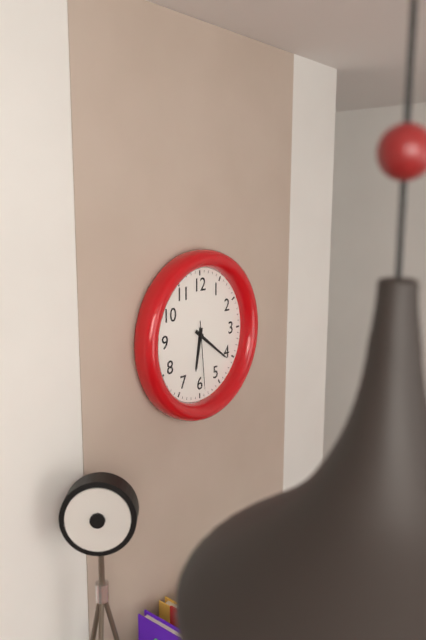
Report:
**6:21:29**
